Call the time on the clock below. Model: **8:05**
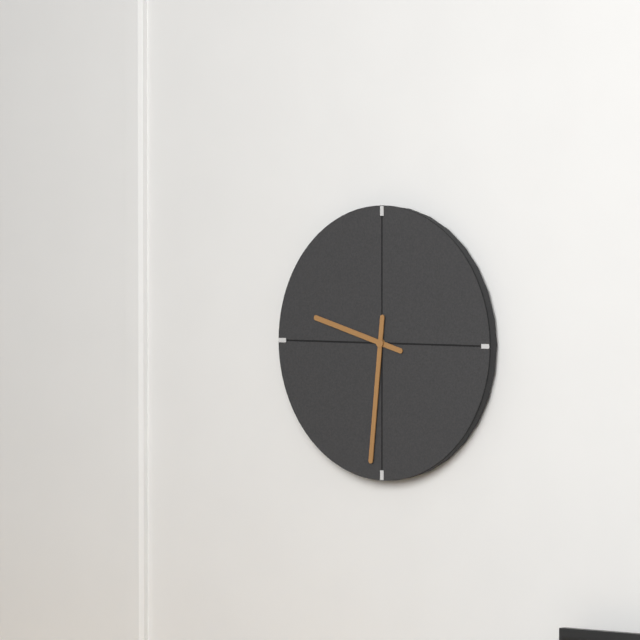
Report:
**9:31**
